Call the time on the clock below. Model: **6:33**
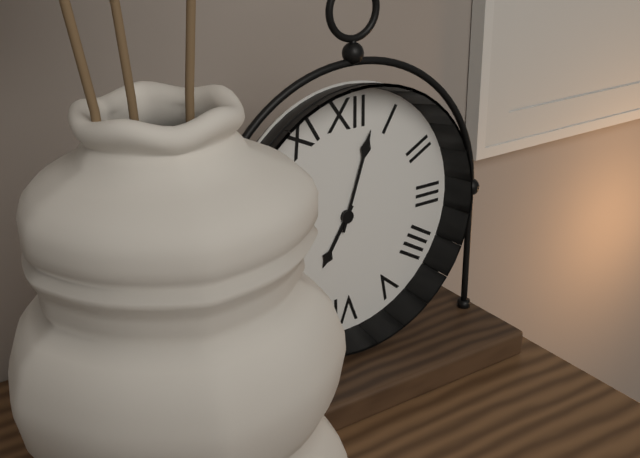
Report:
**7:03**
